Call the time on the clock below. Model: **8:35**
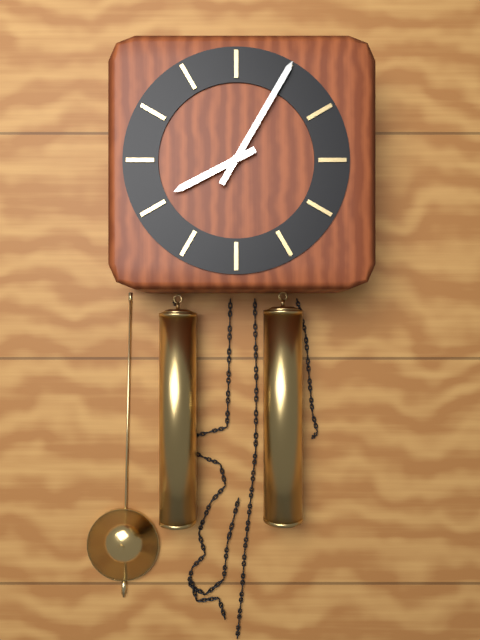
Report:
**8:05**
